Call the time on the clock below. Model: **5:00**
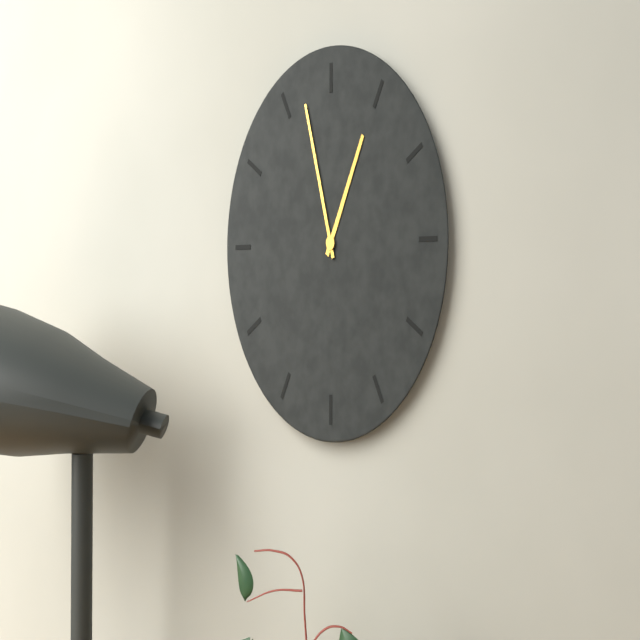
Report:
**12:57**
